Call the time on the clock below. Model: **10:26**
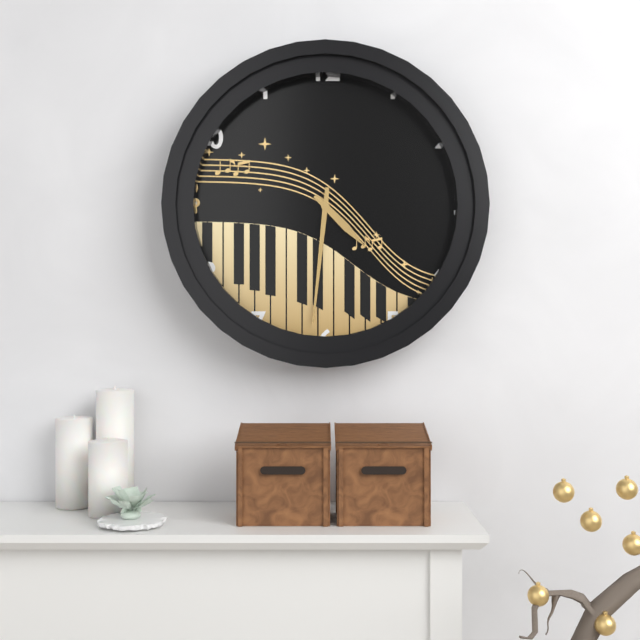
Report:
**4:31**
